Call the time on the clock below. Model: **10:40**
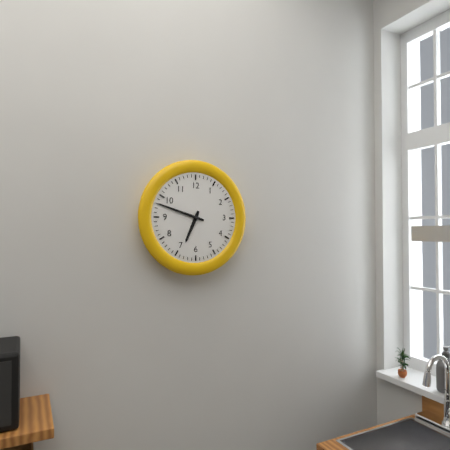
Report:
**6:48**
